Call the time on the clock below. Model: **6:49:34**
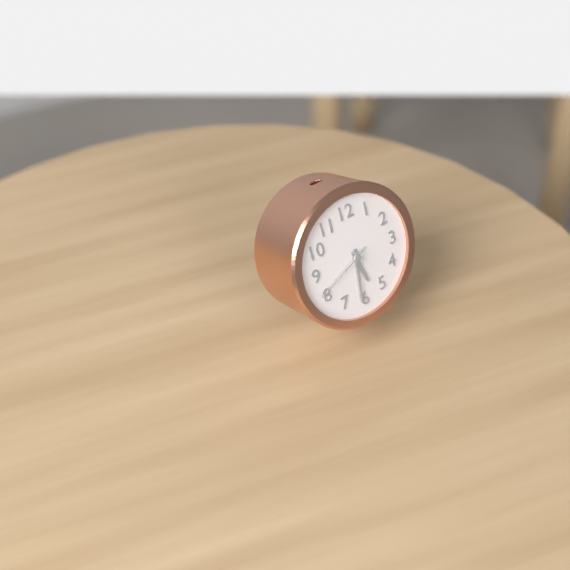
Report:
**5:31:41**
